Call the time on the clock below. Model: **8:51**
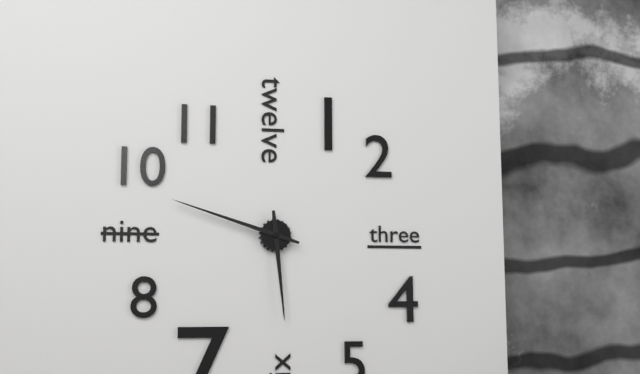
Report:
**5:48**
